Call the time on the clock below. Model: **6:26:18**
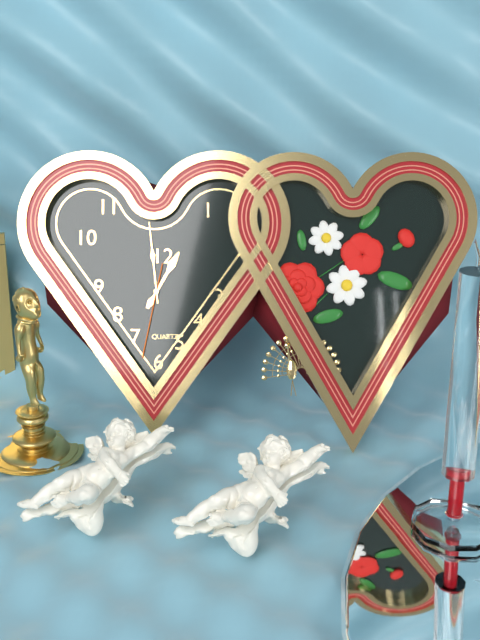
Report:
**12:59:32**
